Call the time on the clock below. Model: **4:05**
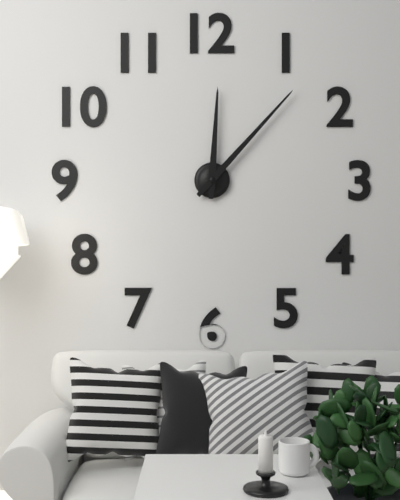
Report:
**12:07**
